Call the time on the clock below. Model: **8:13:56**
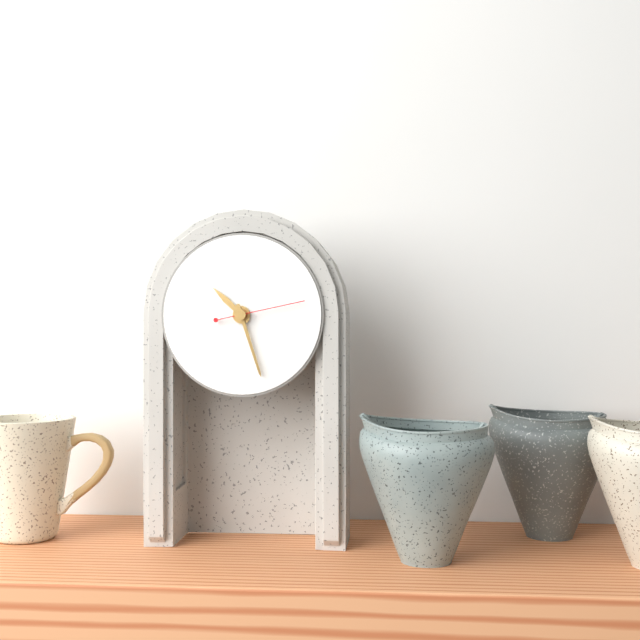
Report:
**10:27:13**
